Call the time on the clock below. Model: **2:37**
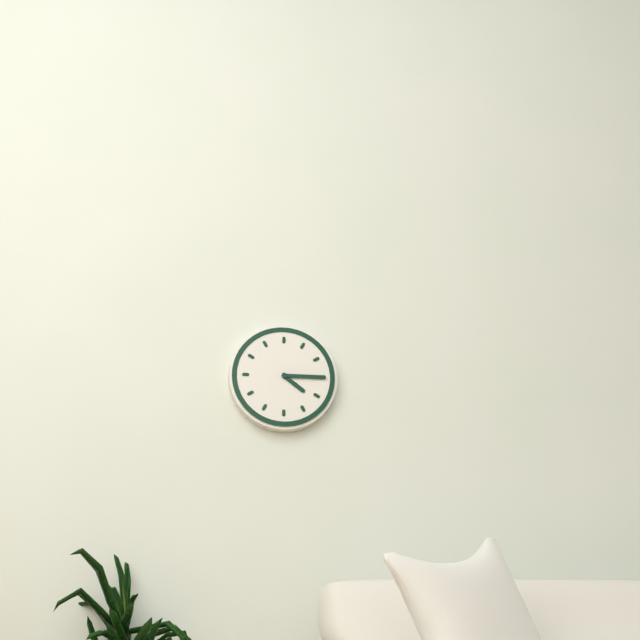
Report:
**4:15**
